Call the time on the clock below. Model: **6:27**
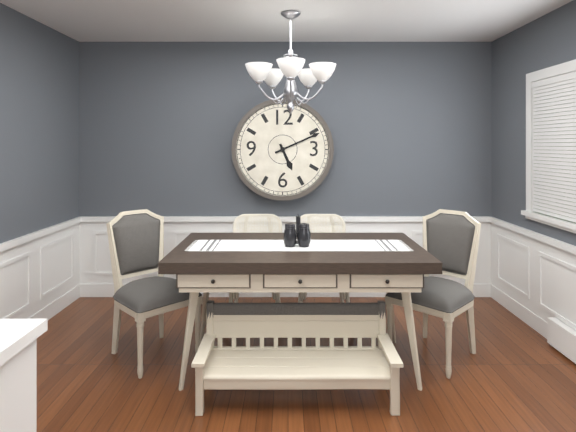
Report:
**5:11**
